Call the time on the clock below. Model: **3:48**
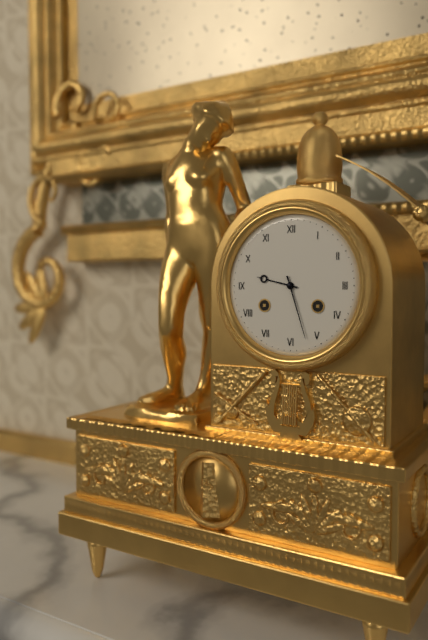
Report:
**9:27**
